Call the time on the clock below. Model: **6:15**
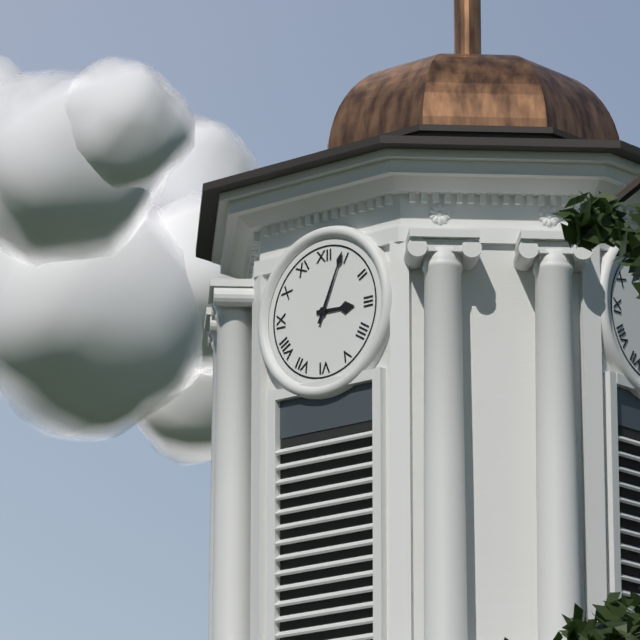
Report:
**3:04**
